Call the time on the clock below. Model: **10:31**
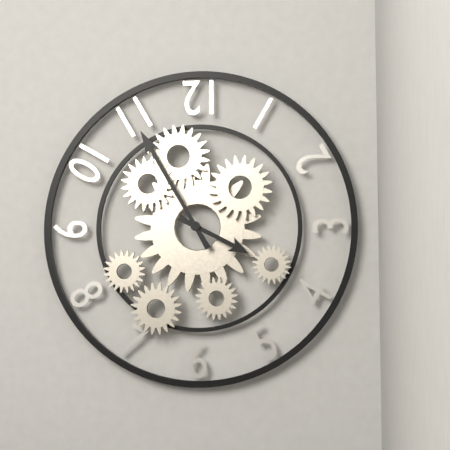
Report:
**3:55**
